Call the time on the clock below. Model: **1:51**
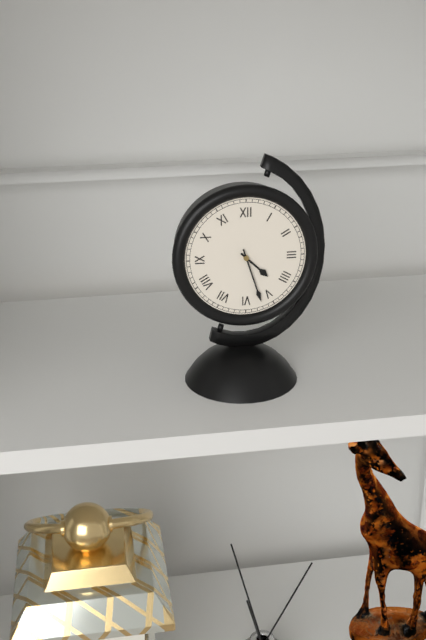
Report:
**4:27**
